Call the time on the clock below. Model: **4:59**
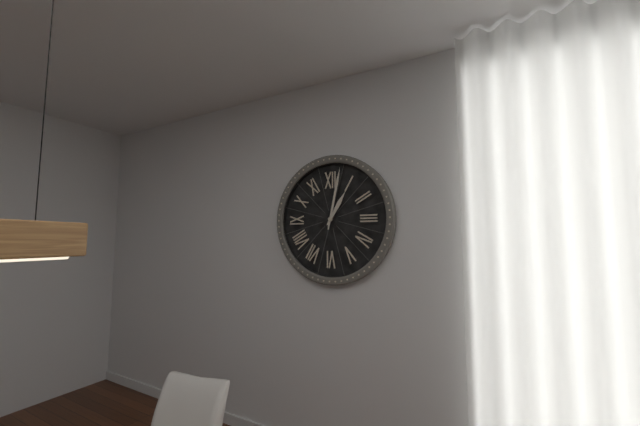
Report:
**1:02**
